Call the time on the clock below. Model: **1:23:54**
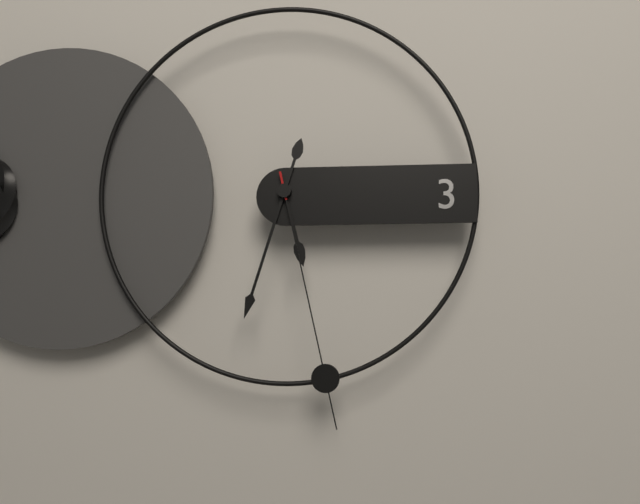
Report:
**5:33:28**
